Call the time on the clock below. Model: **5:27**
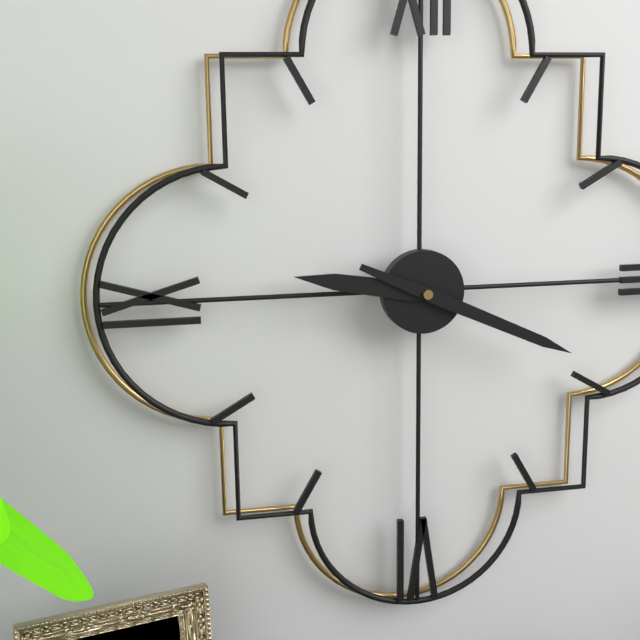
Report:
**9:19**
